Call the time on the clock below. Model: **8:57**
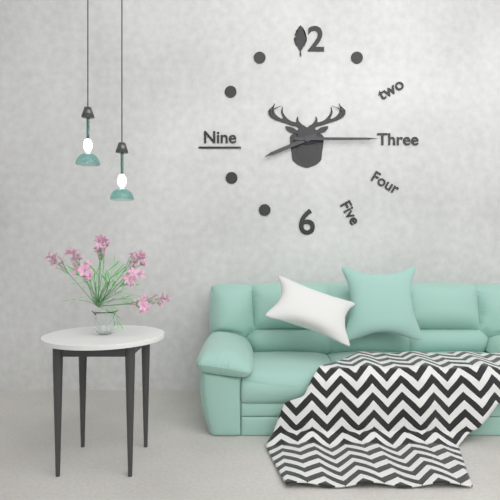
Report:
**8:15**
